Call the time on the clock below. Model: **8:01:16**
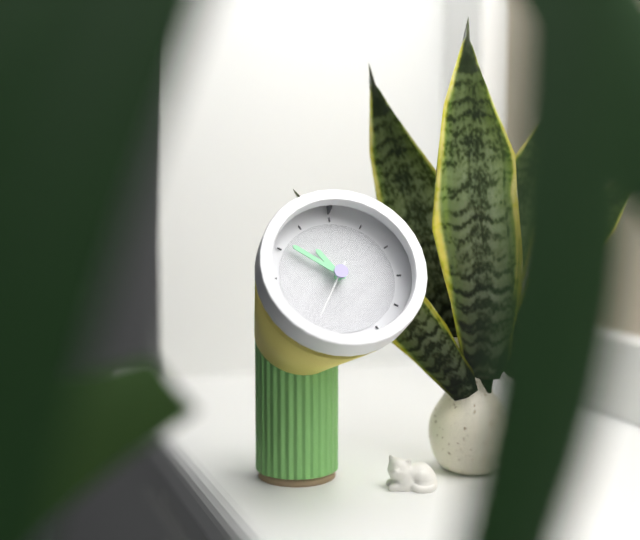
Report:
**10:51:35**
